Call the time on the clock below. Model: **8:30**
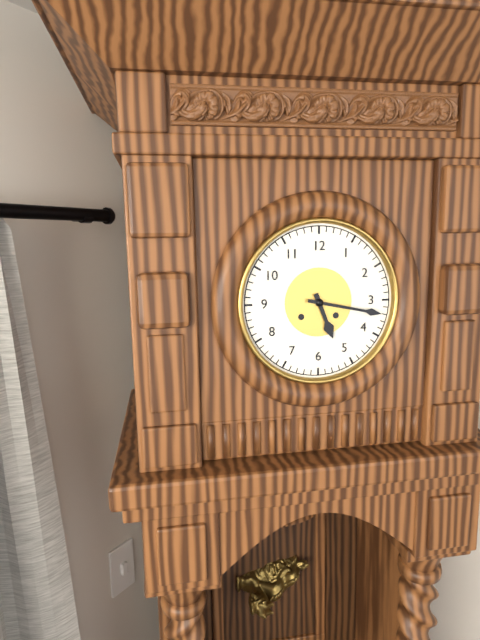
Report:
**5:17**
